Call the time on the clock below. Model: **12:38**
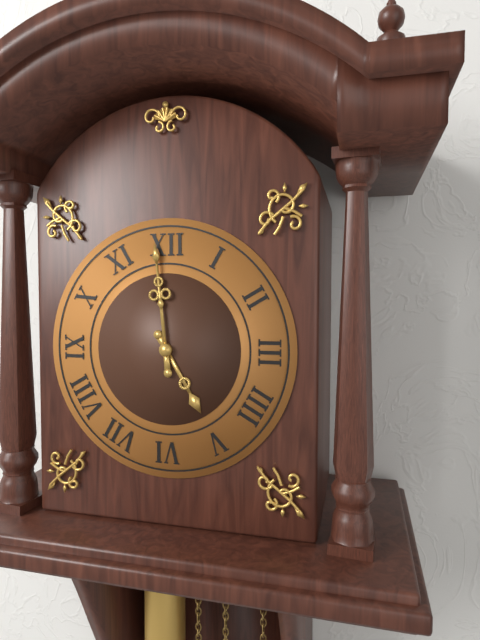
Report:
**4:59**
